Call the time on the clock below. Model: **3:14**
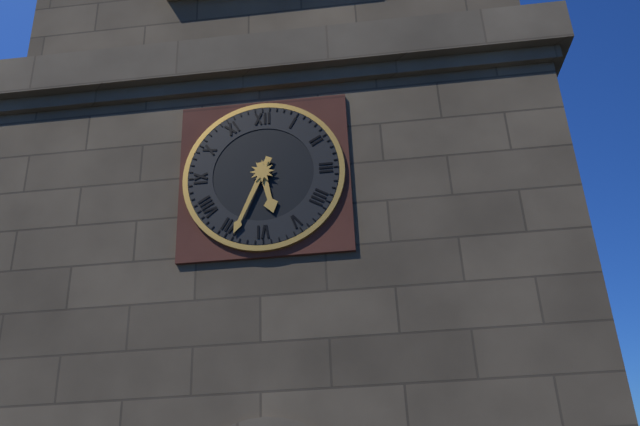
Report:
**5:34**
